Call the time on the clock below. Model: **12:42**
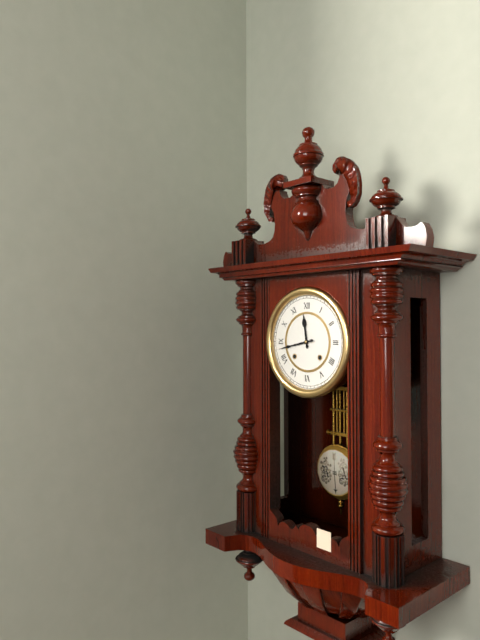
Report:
**11:43**
